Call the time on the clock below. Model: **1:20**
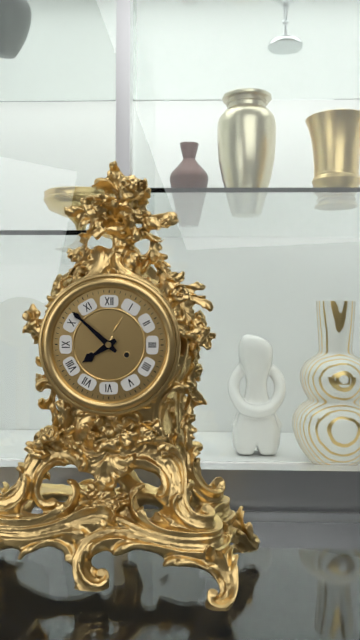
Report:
**7:52**
